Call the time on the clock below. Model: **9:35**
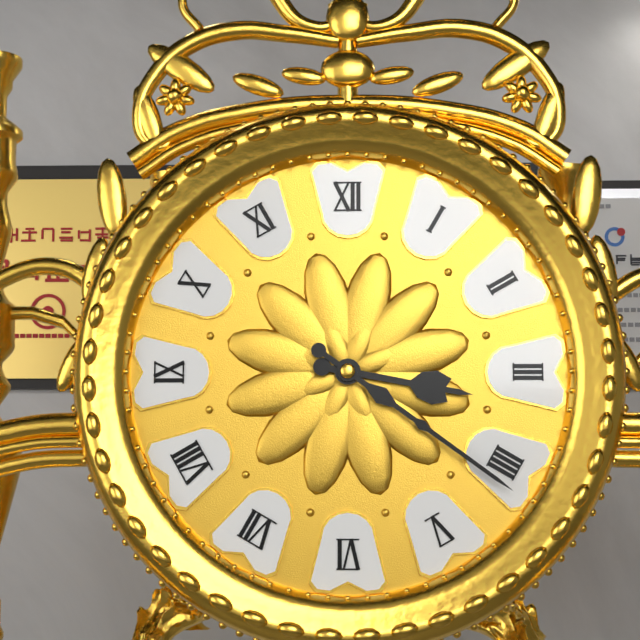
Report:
**3:21**
